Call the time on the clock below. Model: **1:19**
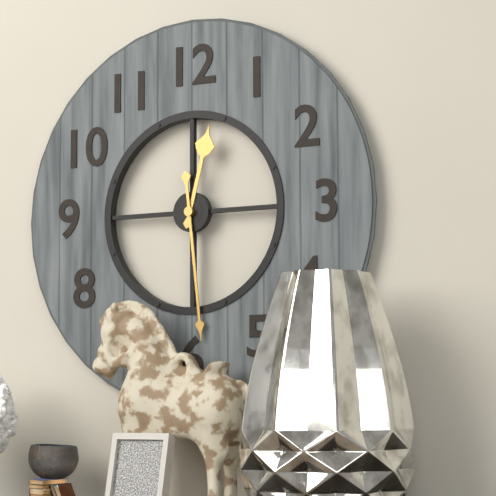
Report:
**12:29**
